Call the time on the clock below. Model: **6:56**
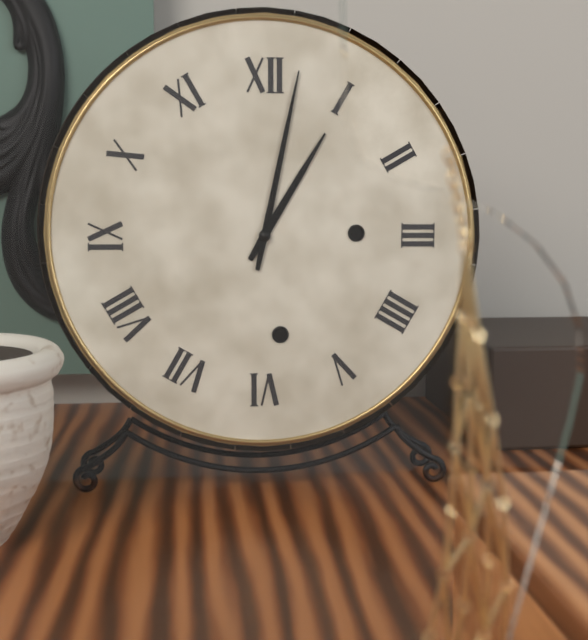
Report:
**1:02**
